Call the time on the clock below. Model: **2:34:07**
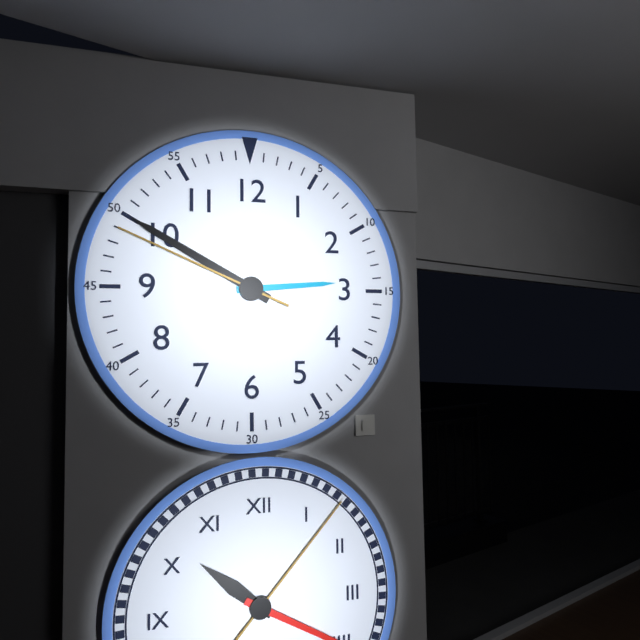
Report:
**2:50:49**
